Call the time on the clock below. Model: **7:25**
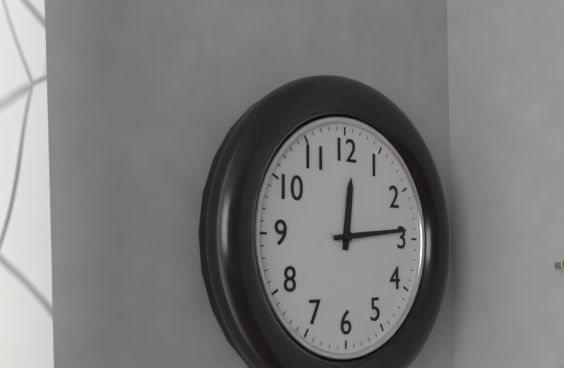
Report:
**12:14**
